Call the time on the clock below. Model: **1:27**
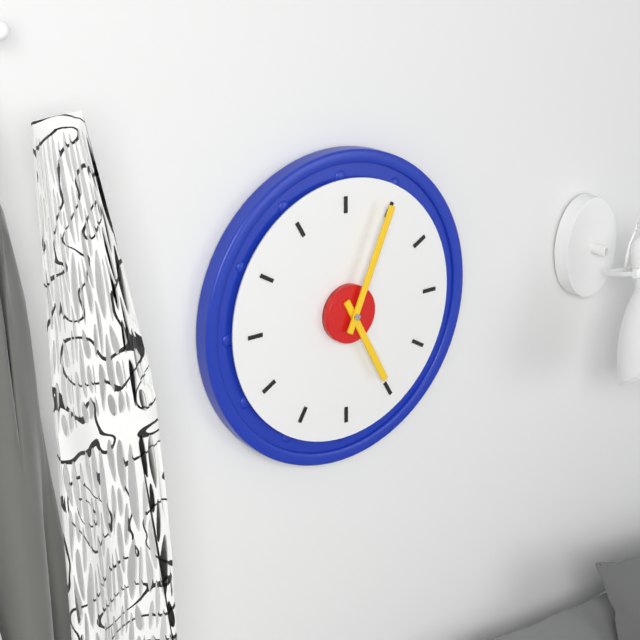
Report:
**5:04**
